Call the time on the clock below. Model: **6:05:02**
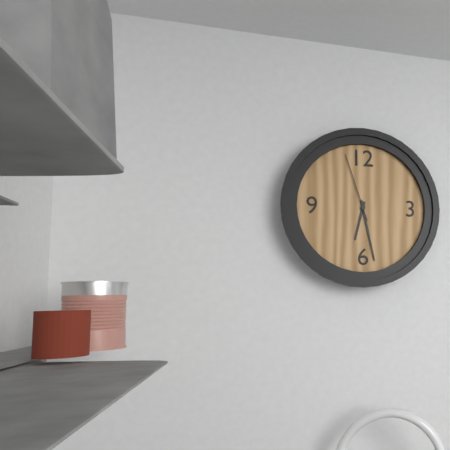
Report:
**6:28:57**
